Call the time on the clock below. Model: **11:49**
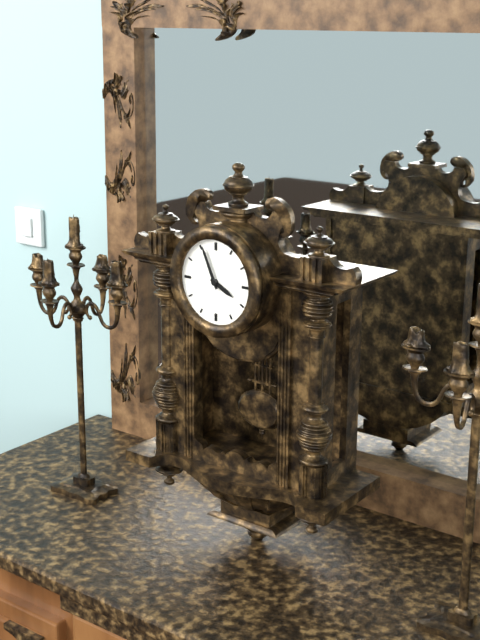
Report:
**3:56**
